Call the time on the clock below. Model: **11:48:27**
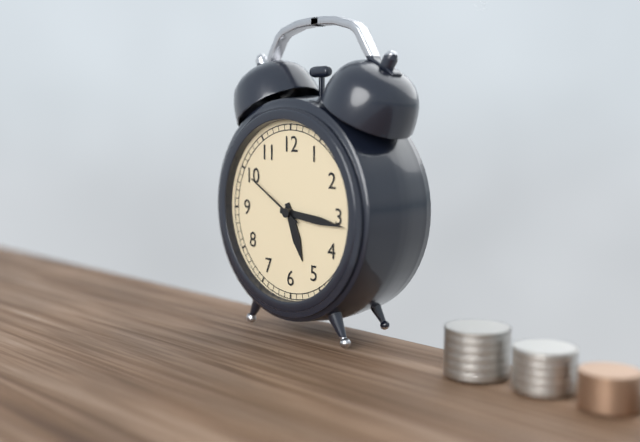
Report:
**5:16:50**
